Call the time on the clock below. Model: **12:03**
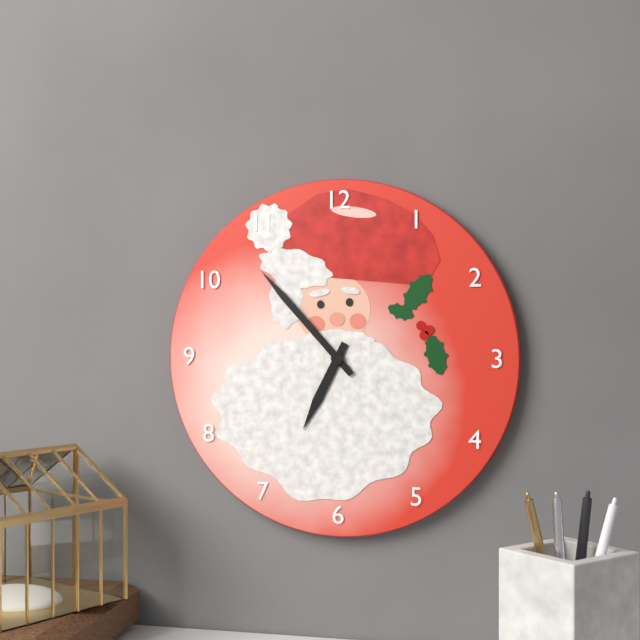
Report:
**6:53**
